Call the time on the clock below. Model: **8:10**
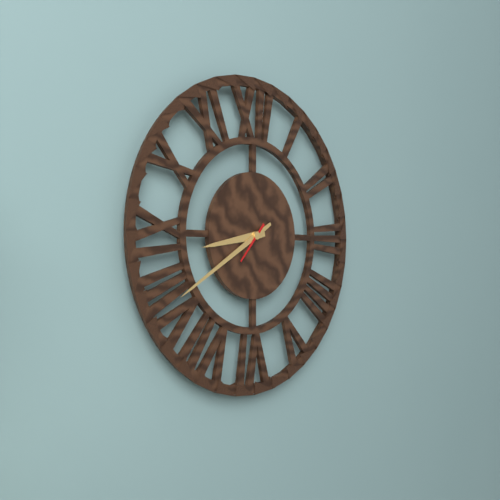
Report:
**8:40**
